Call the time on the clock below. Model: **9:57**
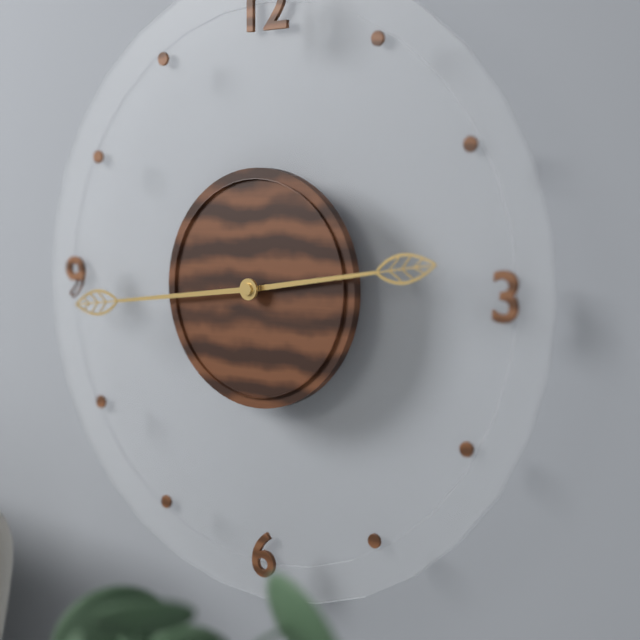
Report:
**2:44**
